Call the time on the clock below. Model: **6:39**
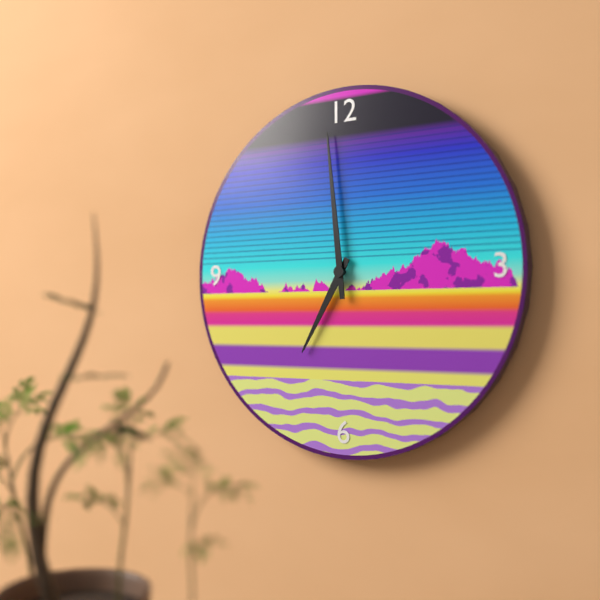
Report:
**6:59**
